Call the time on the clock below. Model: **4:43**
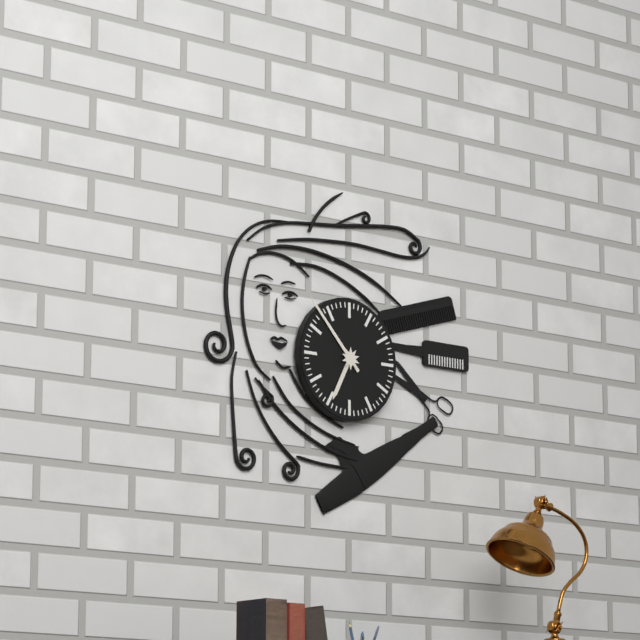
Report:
**6:53**
